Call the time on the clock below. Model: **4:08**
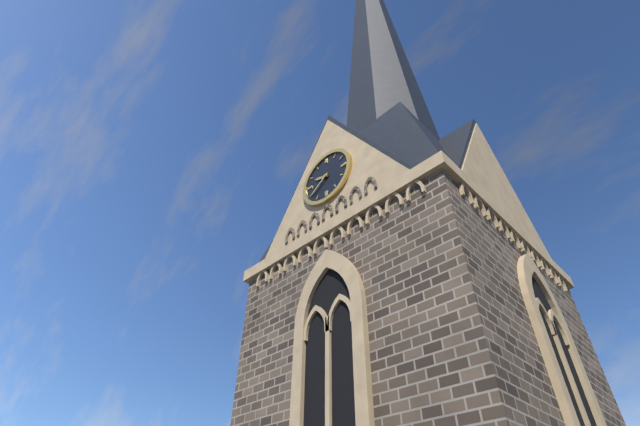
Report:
**9:39**
